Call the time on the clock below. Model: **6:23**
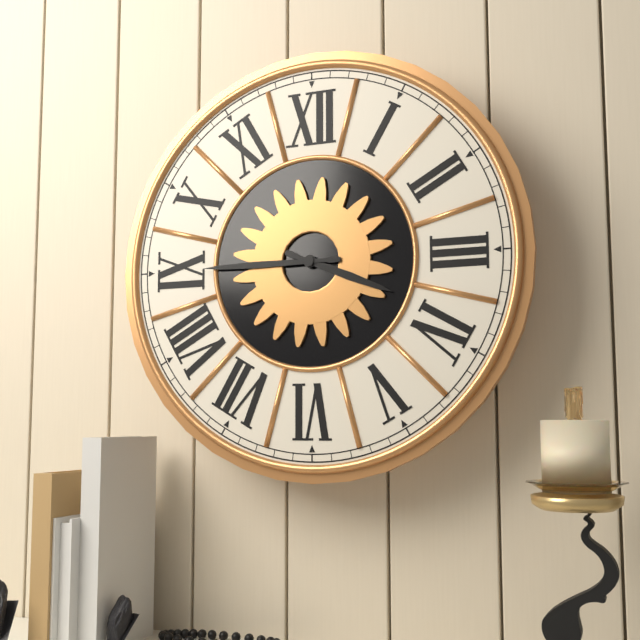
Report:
**3:45**
